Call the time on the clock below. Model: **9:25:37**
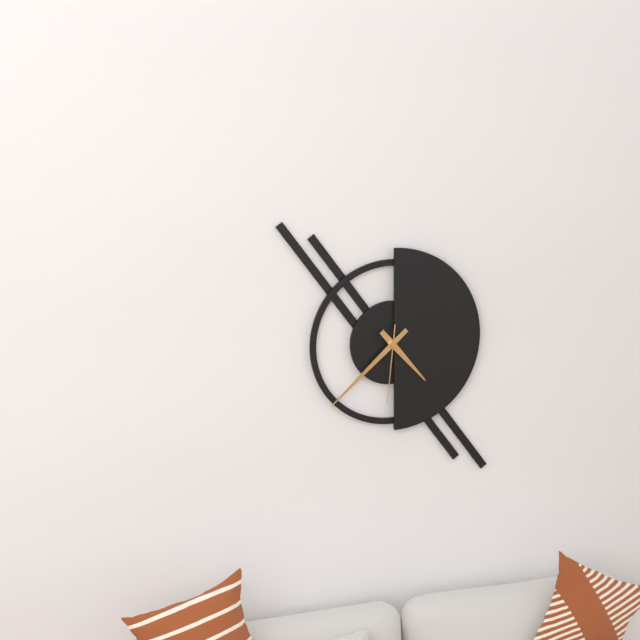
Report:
**4:38:31**
